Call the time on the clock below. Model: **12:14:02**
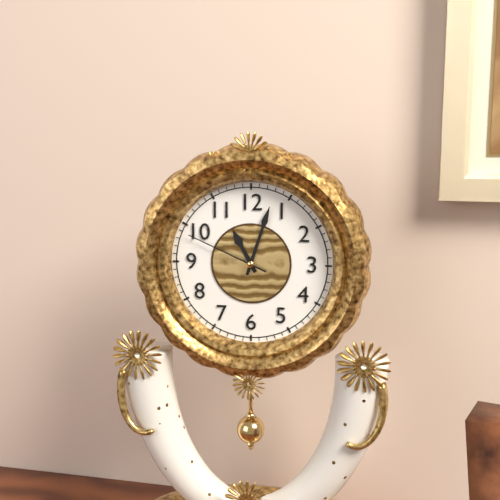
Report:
**11:03:49**
